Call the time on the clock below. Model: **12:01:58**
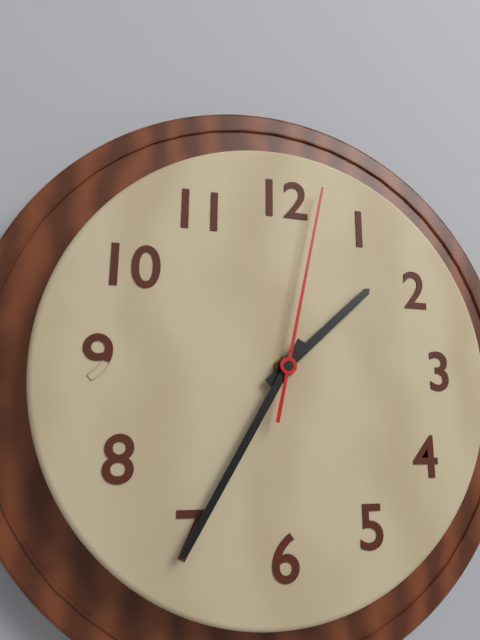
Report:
**1:35:02**
